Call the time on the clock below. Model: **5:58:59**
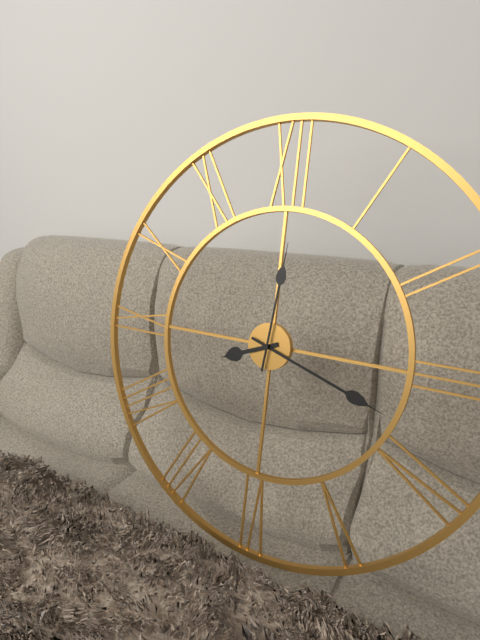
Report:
**8:18:01**
